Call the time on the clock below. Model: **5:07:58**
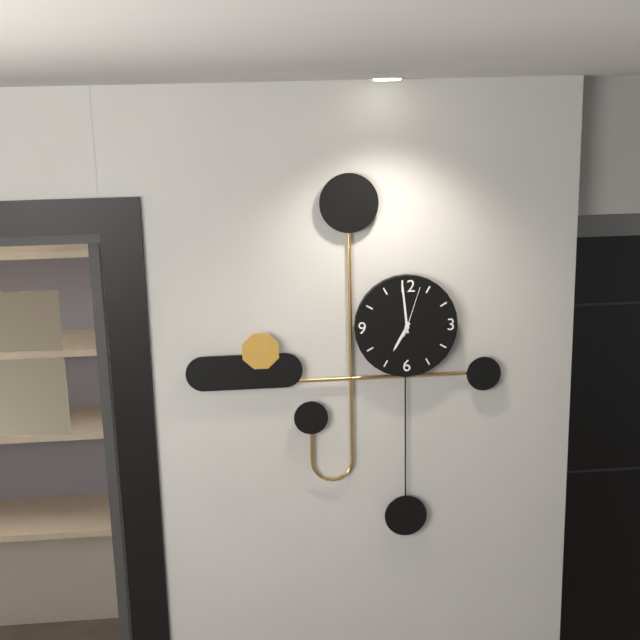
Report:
**6:59:03**
